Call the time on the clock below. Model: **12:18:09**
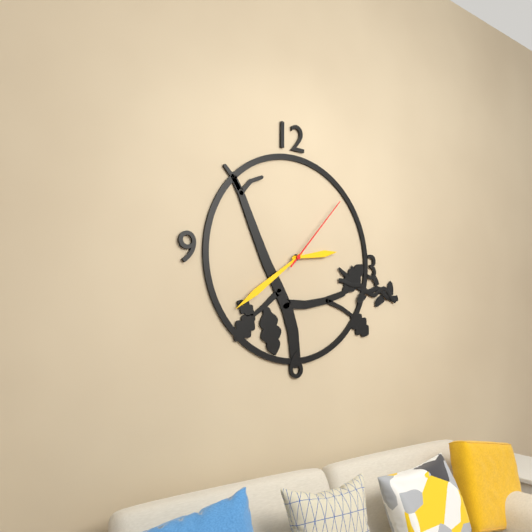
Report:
**2:39:07**
